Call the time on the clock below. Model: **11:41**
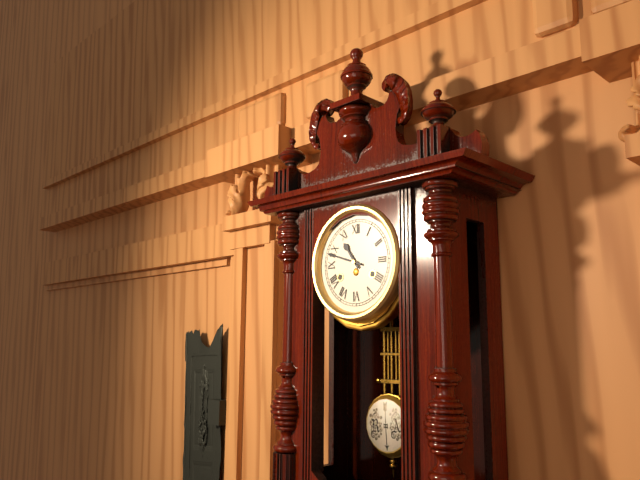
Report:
**10:48**
